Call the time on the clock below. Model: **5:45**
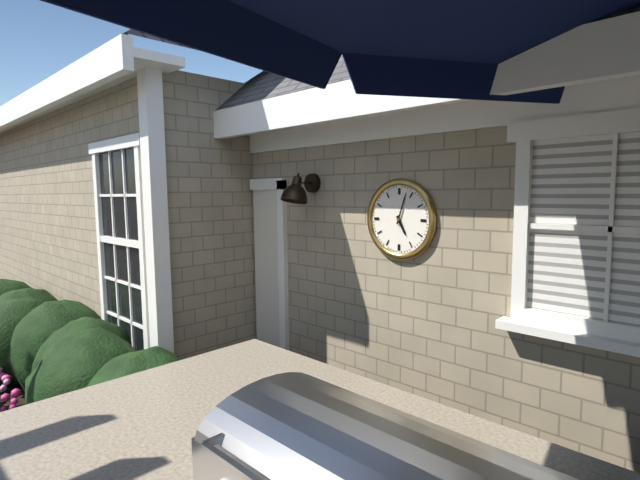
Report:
**5:03**
